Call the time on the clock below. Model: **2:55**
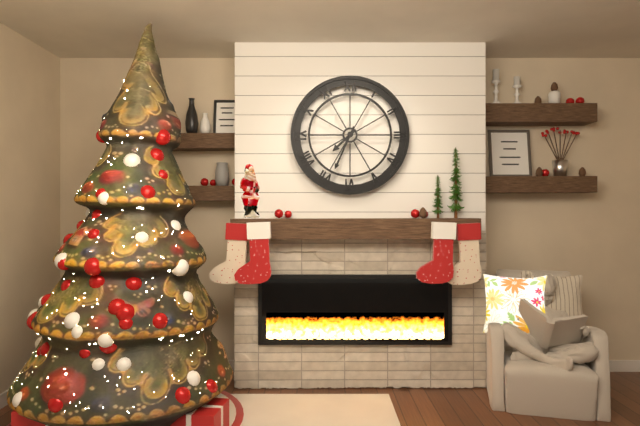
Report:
**7:34**
